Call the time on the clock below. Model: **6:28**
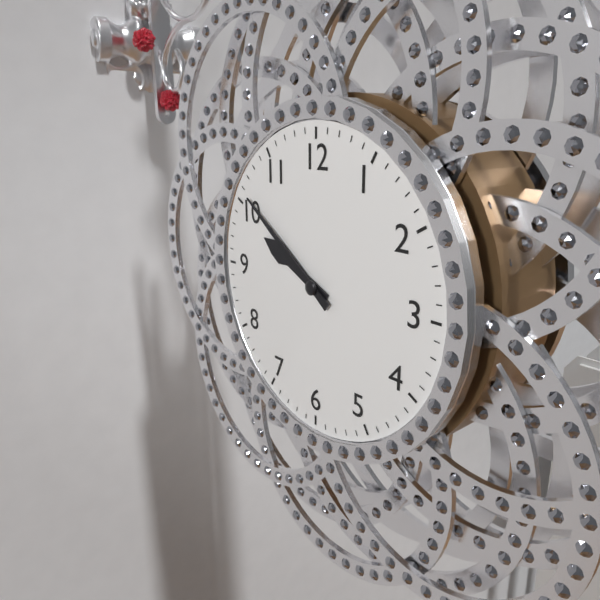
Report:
**9:51**
